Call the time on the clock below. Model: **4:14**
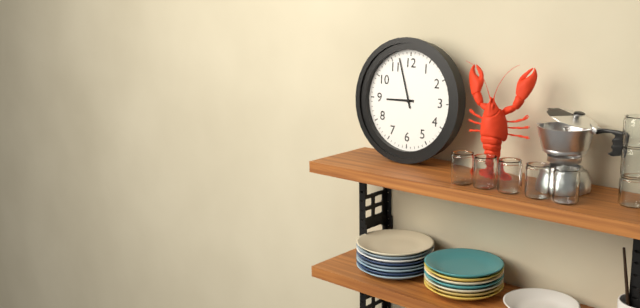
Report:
**8:57**
